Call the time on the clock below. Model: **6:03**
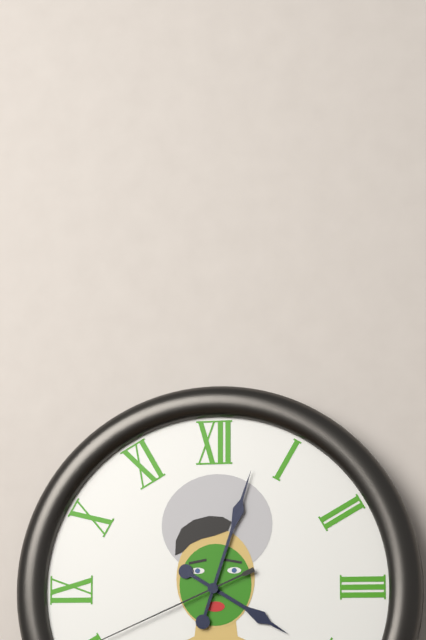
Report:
**4:03**
